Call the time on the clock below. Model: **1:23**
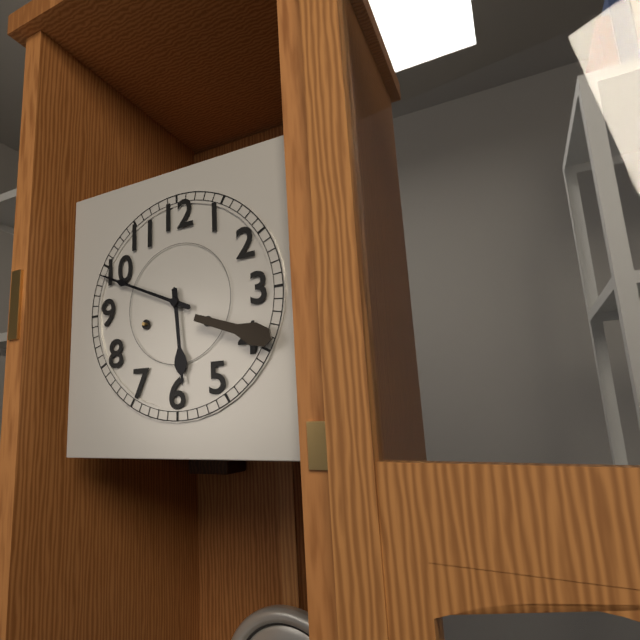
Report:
**5:49**
